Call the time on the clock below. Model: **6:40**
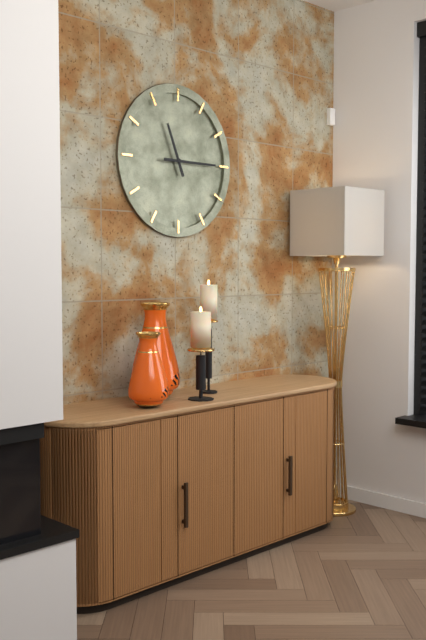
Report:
**11:15**
